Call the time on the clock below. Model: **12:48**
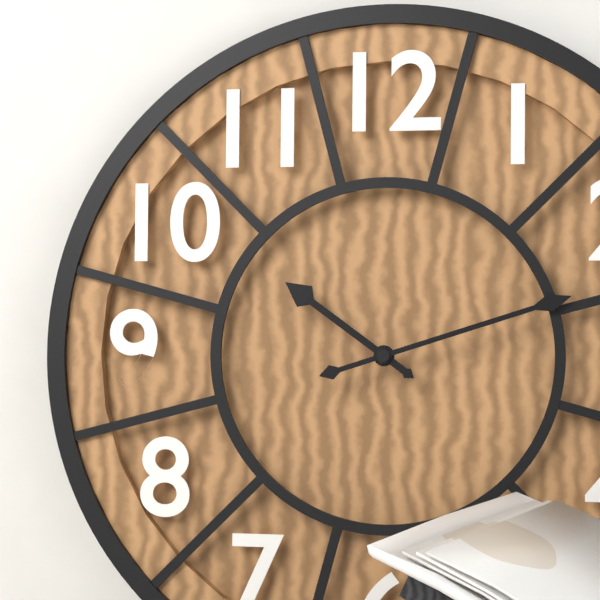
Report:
**10:12**
